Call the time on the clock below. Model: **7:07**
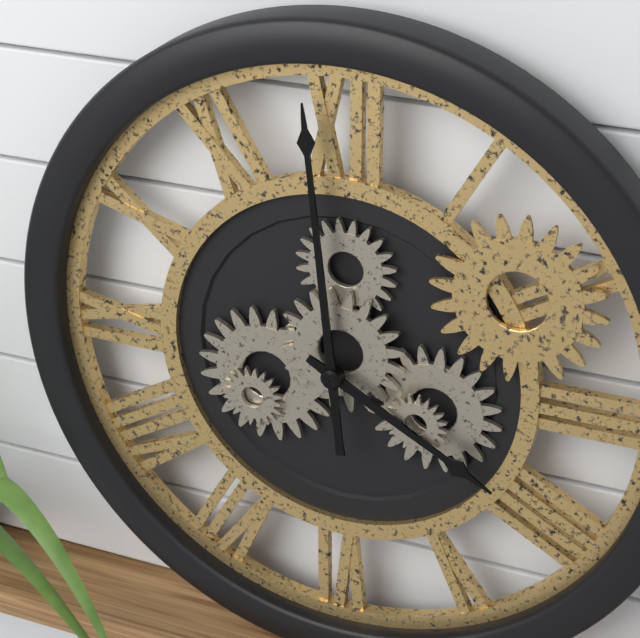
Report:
**3:59**
